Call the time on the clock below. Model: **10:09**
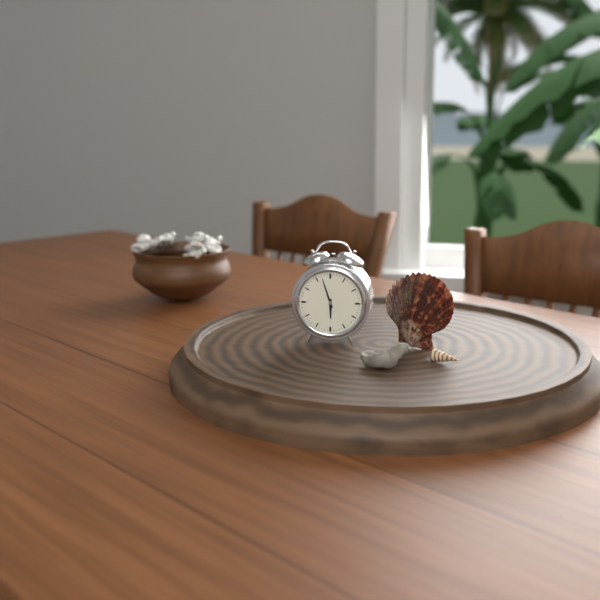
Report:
**5:57**
